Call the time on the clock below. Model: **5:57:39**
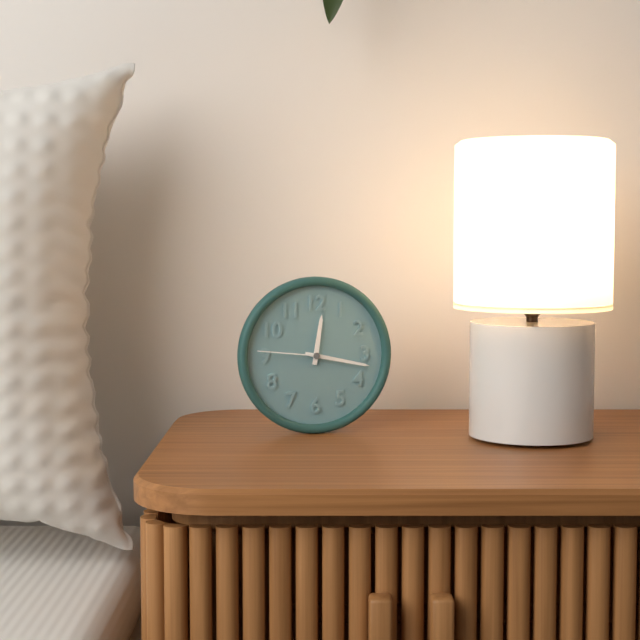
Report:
**12:17:46**
